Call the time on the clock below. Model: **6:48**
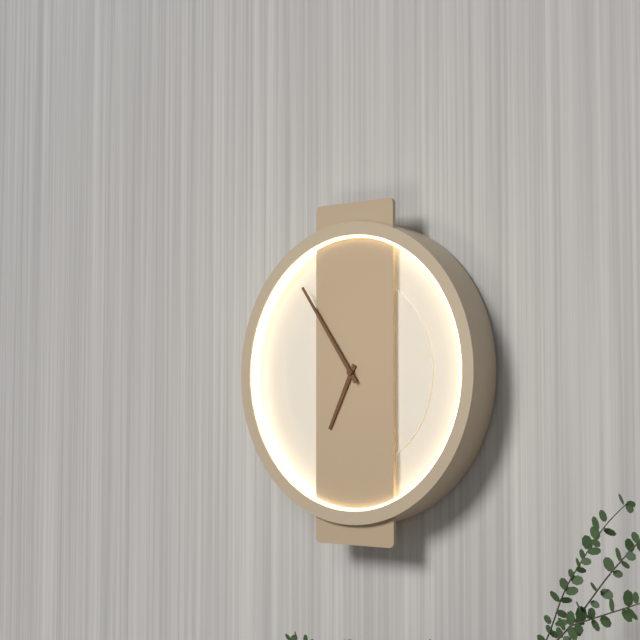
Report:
**6:54**
